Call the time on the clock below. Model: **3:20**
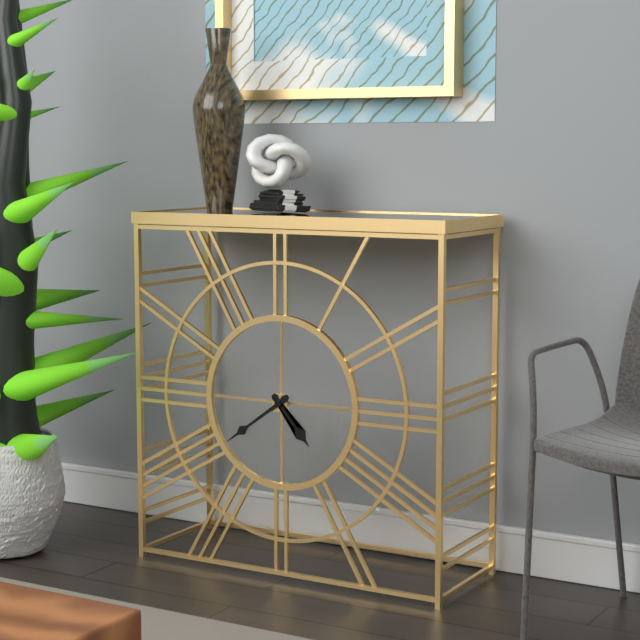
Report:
**4:39**
